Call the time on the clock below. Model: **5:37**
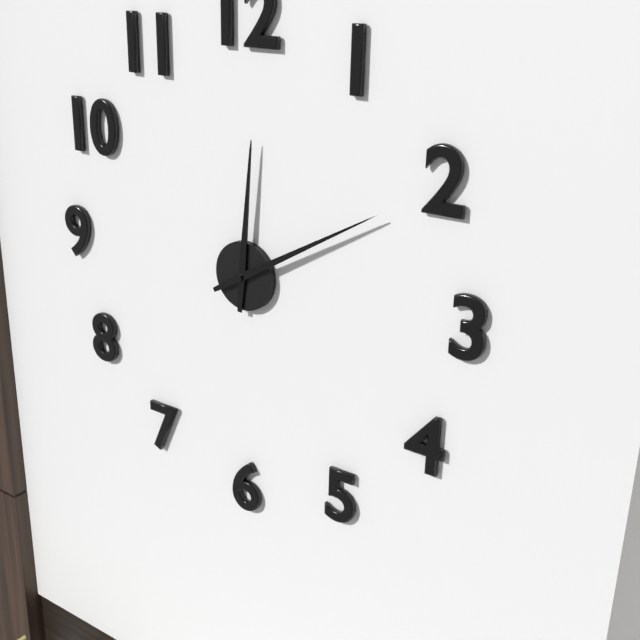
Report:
**12:10**
